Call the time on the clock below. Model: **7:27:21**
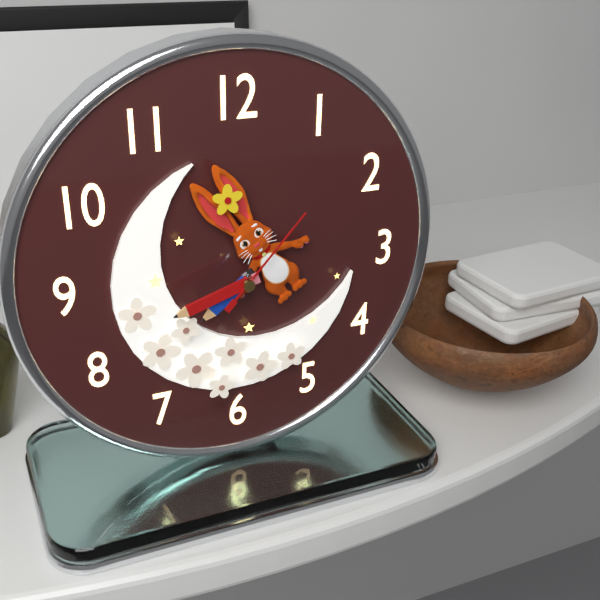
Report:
**7:42:07**
